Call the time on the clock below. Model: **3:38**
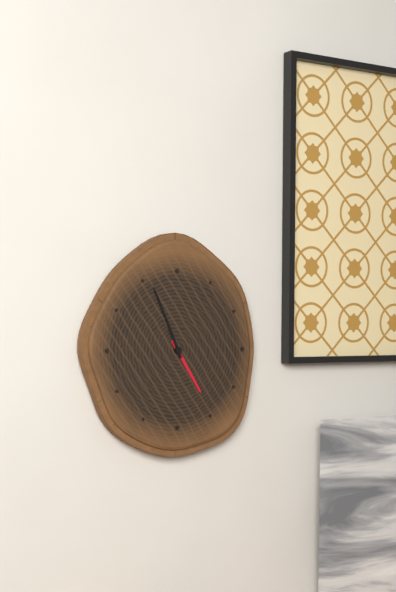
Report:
**4:56**
